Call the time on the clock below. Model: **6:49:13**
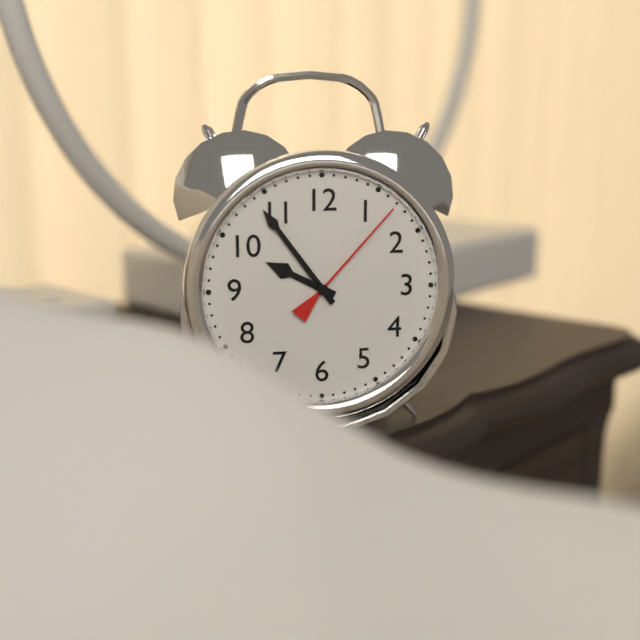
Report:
**9:54:07**
